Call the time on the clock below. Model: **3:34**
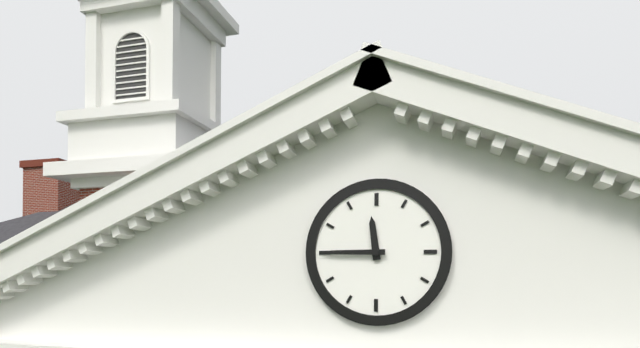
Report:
**11:45**
